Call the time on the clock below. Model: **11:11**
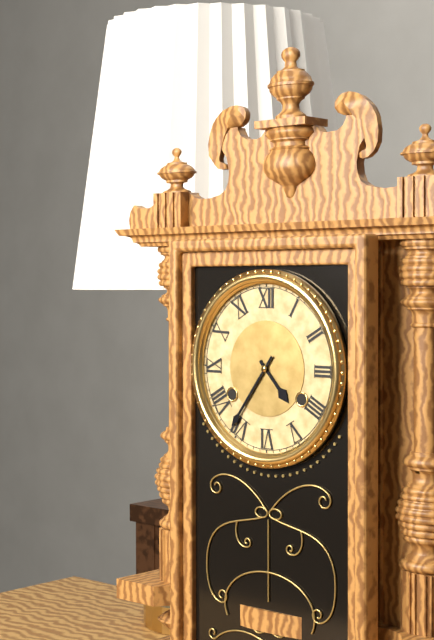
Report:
**4:36**
